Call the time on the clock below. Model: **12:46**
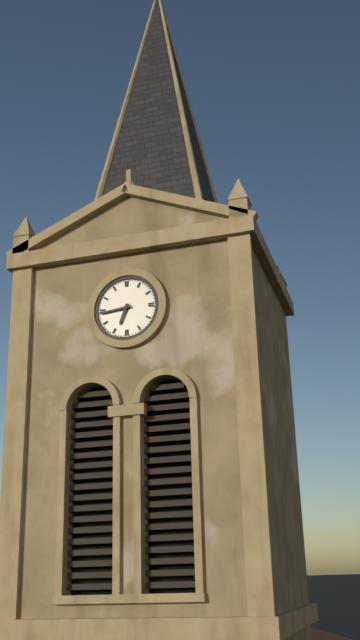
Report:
**6:44**
